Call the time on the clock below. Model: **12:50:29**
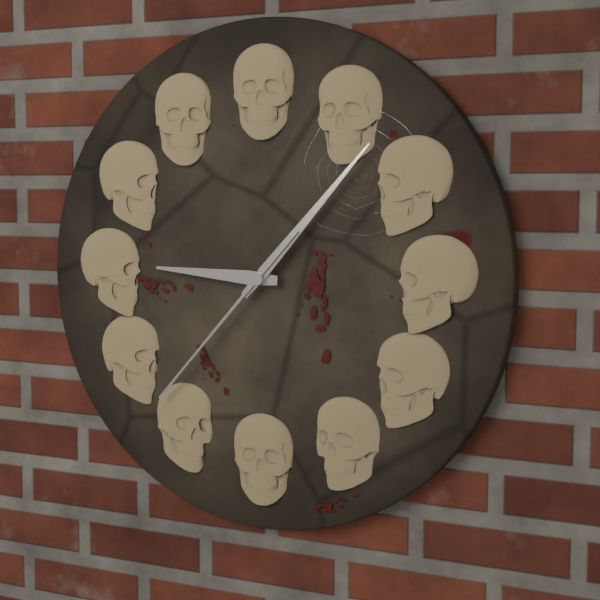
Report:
**9:07:37**
